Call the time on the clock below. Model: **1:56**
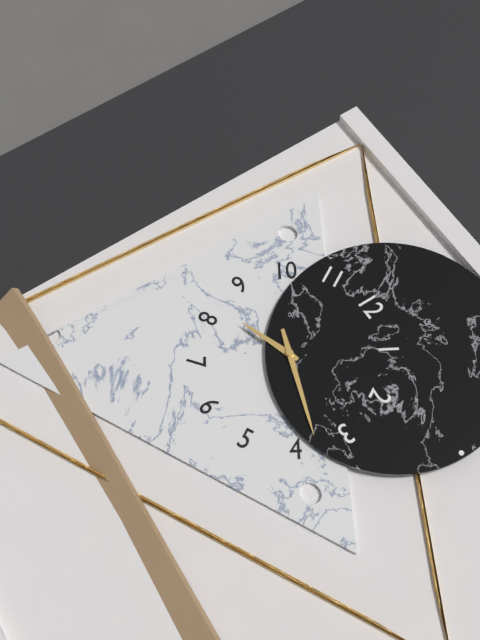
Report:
**8:18**
